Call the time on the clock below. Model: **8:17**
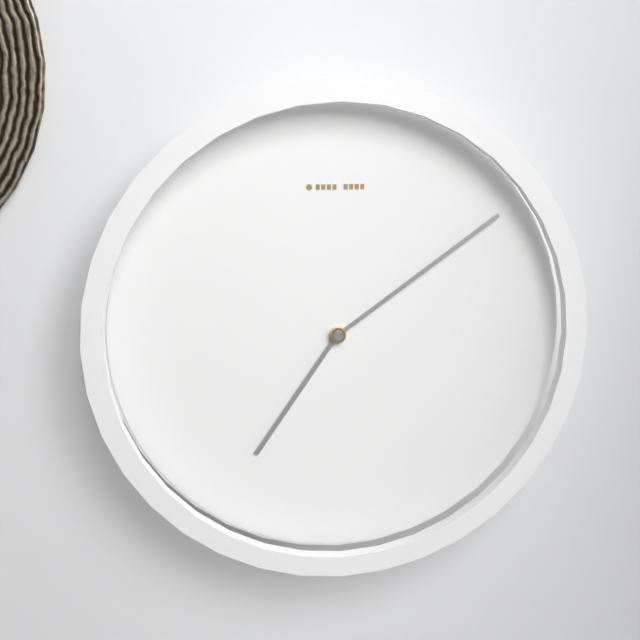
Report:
**7:09**
